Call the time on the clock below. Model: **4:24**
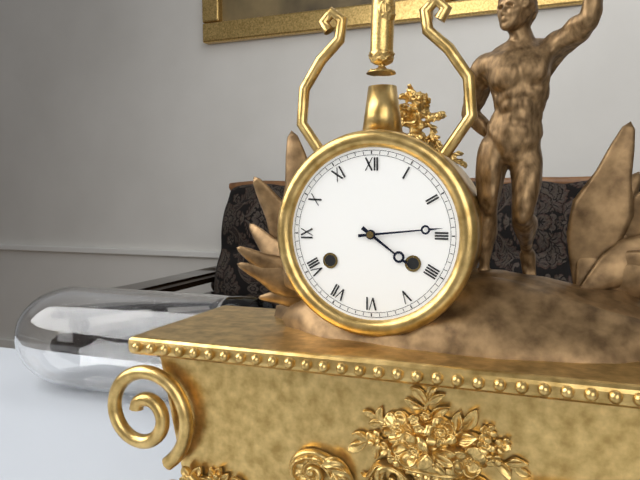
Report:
**4:14**
